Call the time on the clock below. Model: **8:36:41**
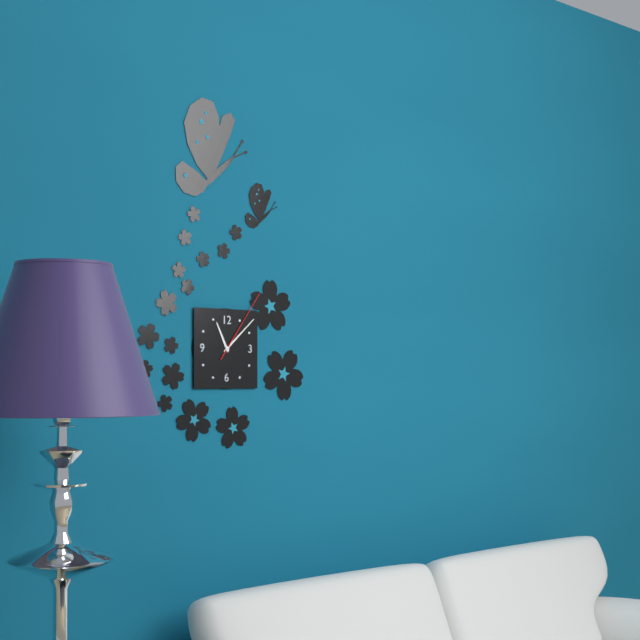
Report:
**11:08:06**
